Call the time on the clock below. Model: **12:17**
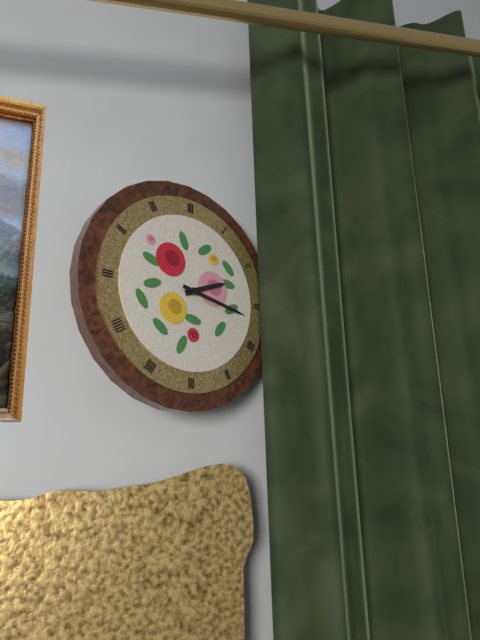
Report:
**2:17**
